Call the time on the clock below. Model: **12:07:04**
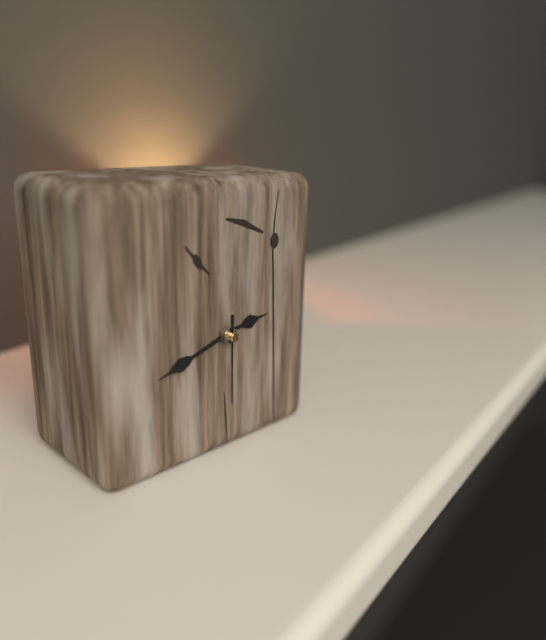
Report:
**2:42:30**
